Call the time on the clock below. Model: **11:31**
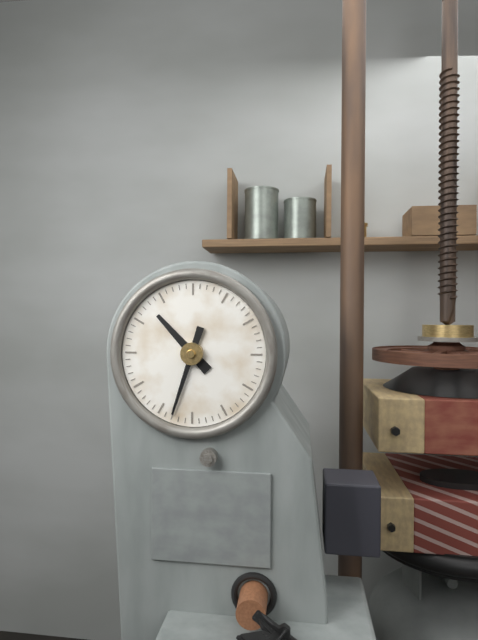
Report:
**10:33**
